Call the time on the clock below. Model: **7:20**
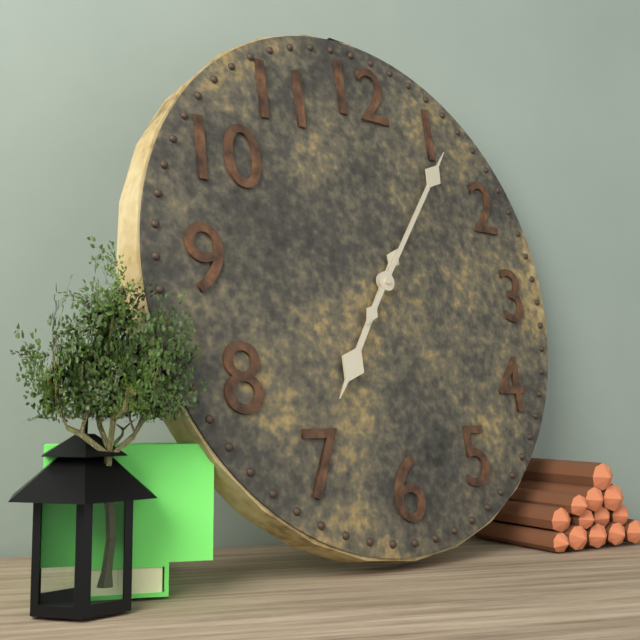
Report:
**7:06**
